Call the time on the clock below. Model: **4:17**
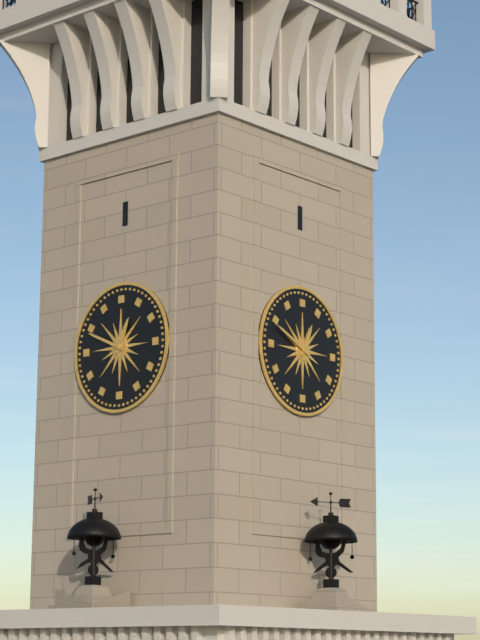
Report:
**12:49**
